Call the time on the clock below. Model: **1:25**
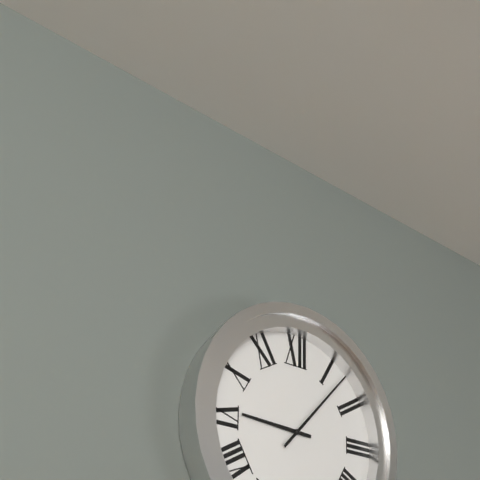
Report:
**9:07**
